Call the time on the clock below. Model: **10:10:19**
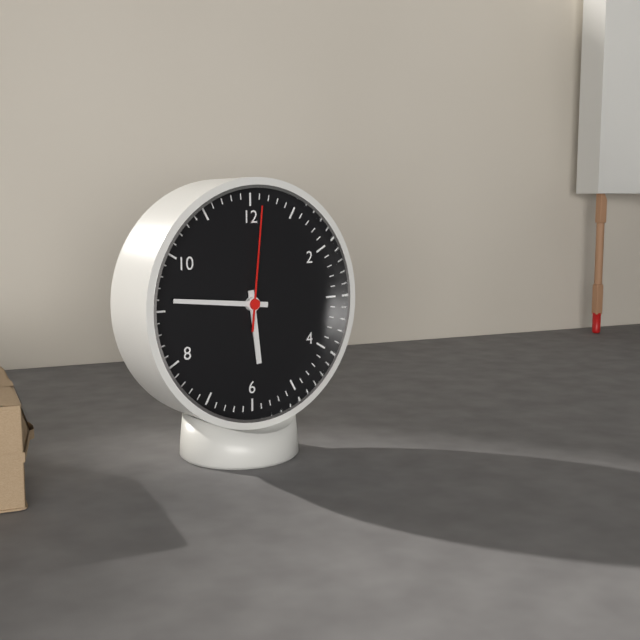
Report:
**5:46:01**
